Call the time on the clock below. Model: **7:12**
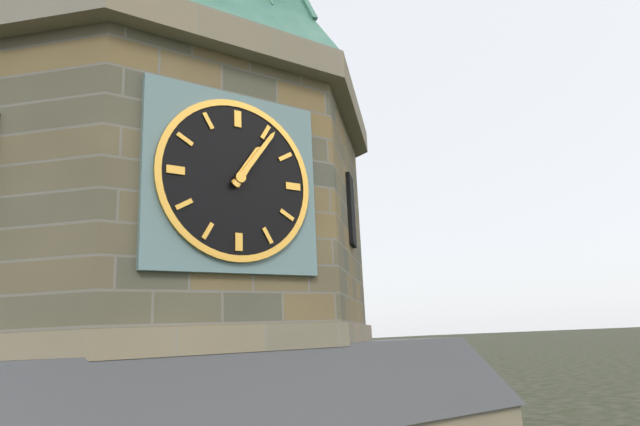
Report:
**1:06**
